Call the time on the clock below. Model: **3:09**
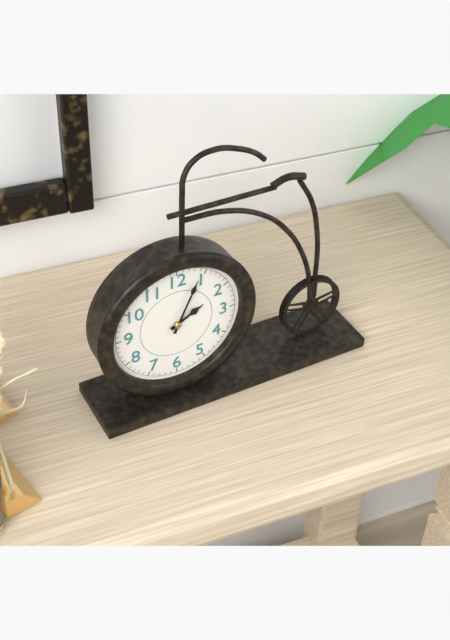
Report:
**2:04**
